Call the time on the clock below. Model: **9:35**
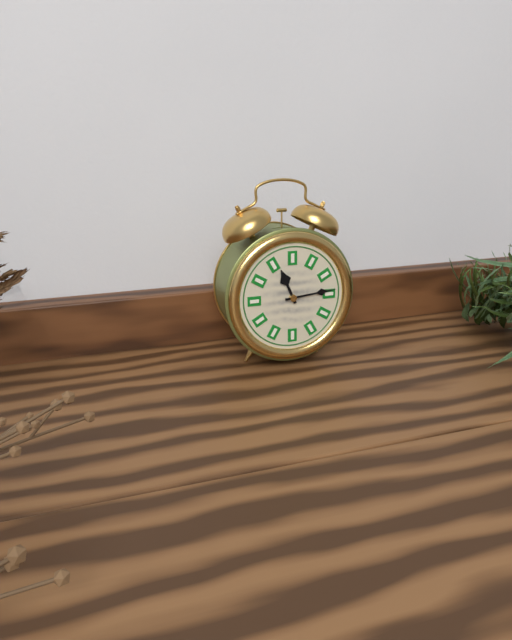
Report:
**11:14**
